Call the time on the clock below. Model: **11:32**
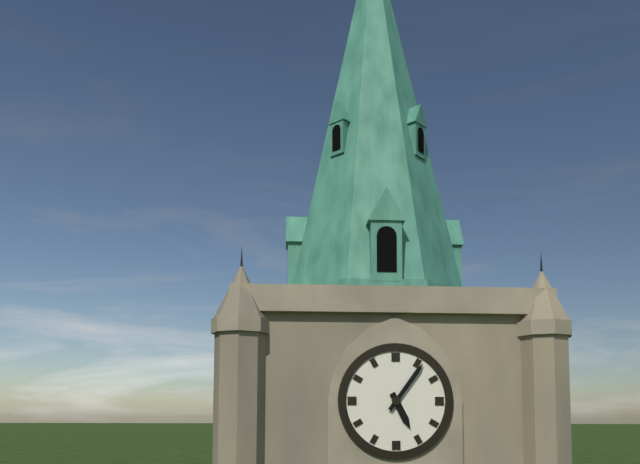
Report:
**5:06**
